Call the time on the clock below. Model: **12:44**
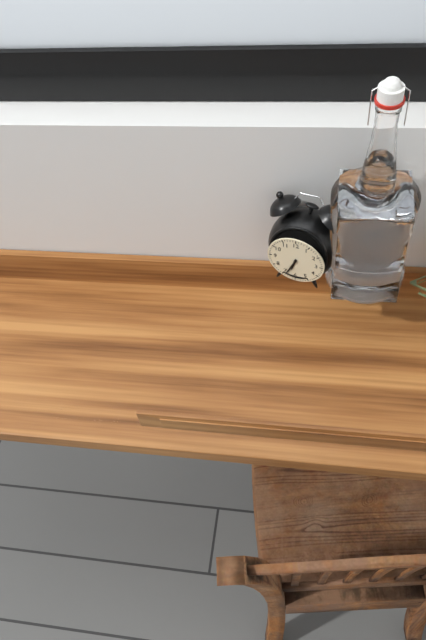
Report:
**6:34**
